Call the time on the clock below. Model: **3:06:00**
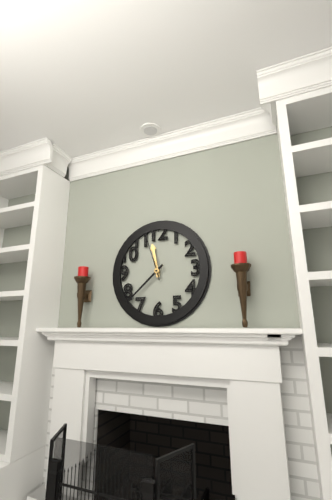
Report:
**11:38:57**
